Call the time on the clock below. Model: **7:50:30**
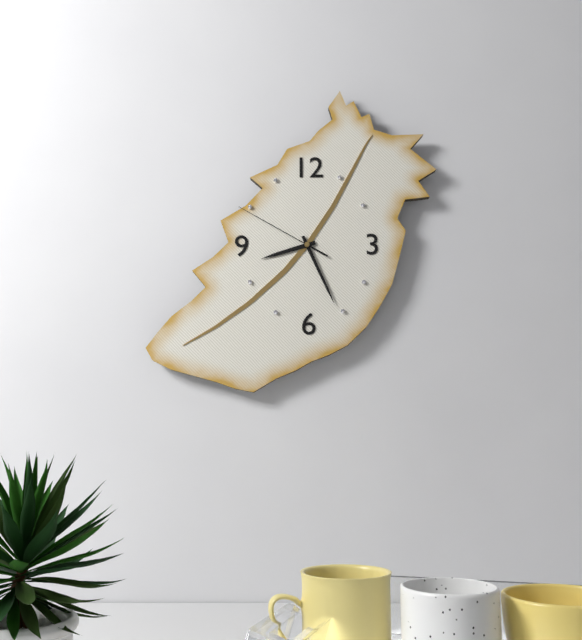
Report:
**8:26:50**
